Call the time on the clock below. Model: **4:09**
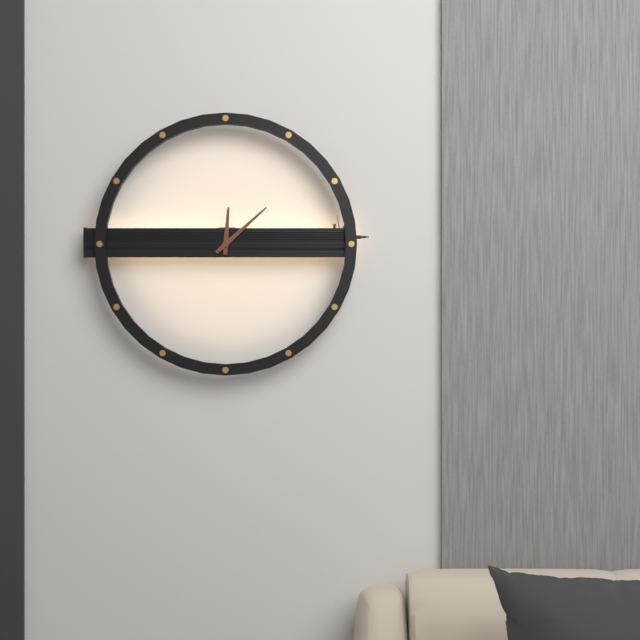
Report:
**12:08**
